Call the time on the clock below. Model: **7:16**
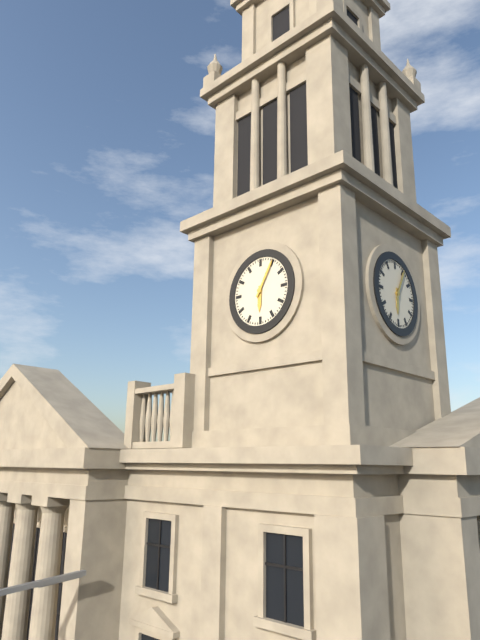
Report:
**6:05**
